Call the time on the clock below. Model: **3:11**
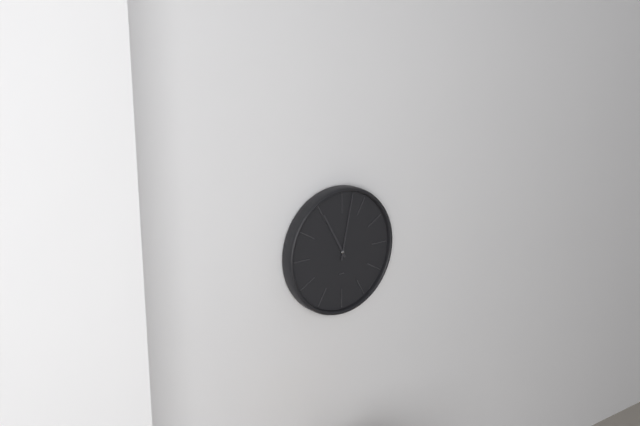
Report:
**11:02**
